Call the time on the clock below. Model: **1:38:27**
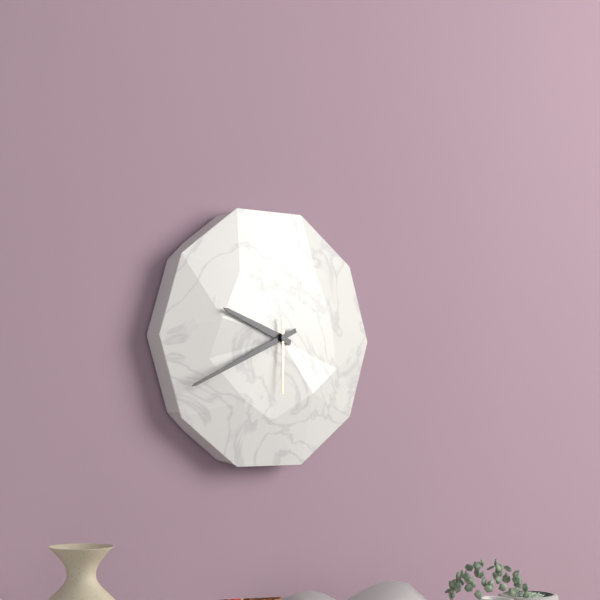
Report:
**9:41:30**
